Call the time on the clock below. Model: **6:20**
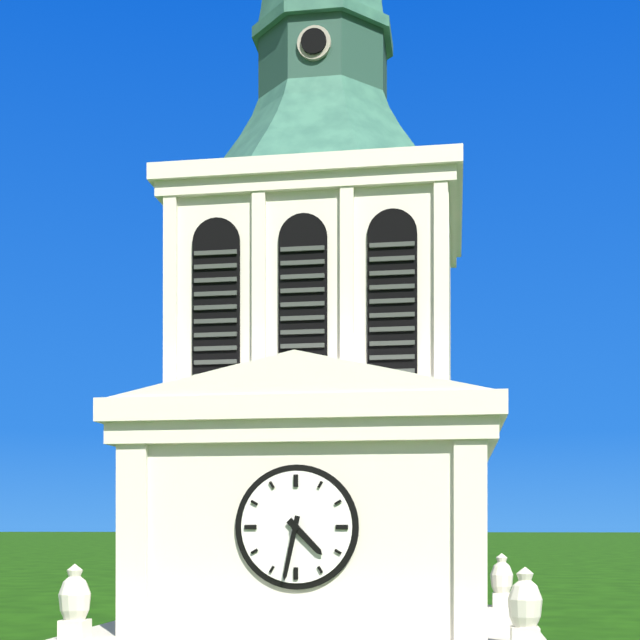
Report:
**4:32**
